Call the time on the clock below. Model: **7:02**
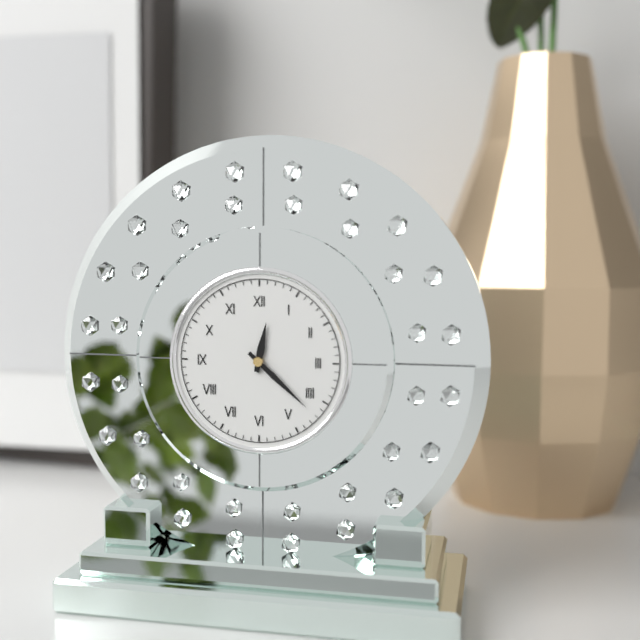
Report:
**12:22**
